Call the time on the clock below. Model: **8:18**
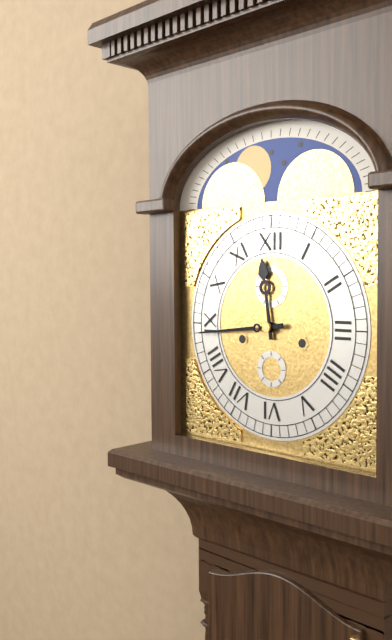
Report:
**11:44**
